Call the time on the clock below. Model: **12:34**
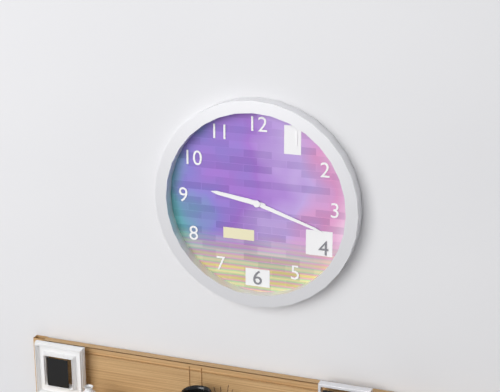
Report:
**9:18**
